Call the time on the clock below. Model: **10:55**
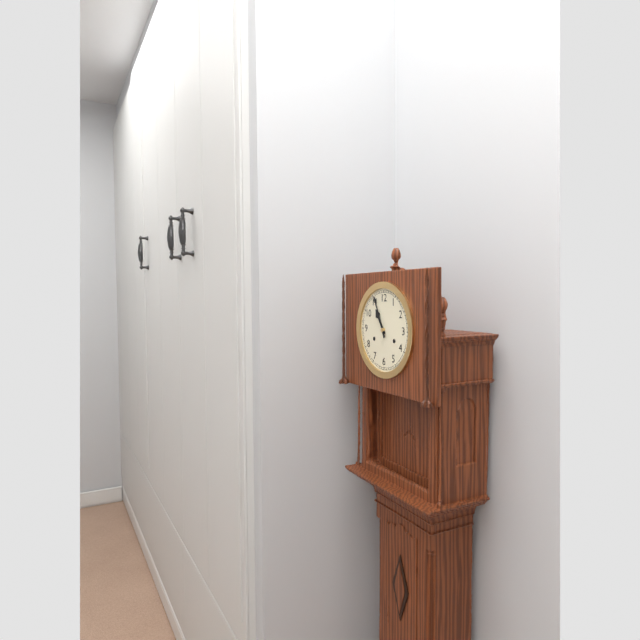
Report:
**10:56**
